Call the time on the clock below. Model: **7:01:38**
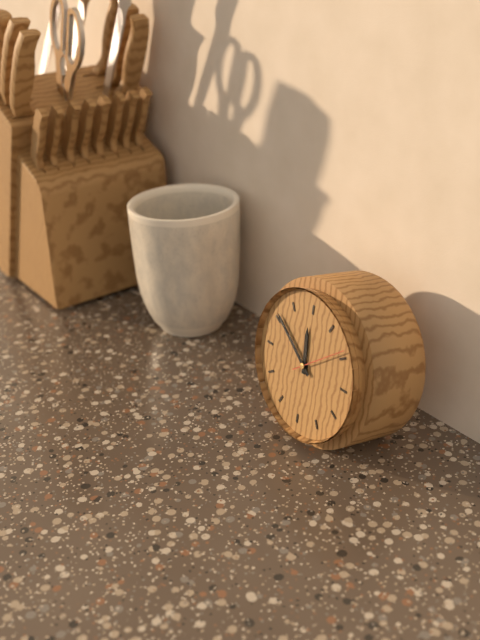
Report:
**11:51:09**
